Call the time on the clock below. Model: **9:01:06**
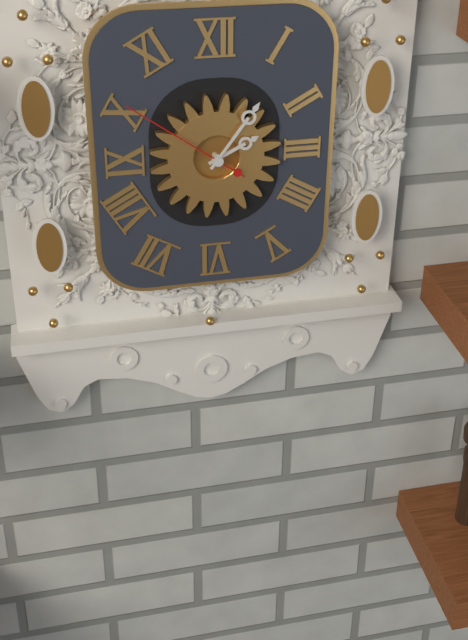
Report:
**2:06:51**
